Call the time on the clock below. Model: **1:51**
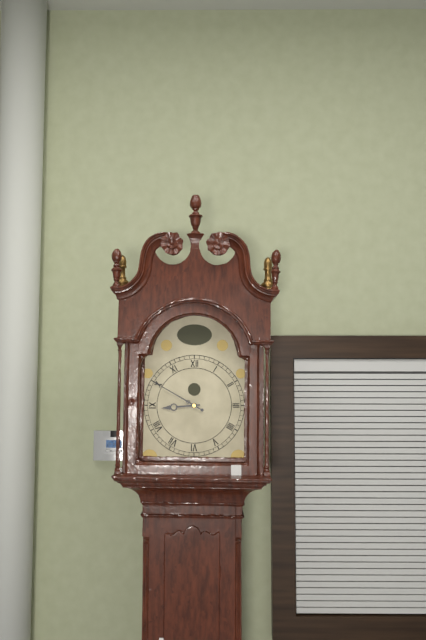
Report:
**8:50**
